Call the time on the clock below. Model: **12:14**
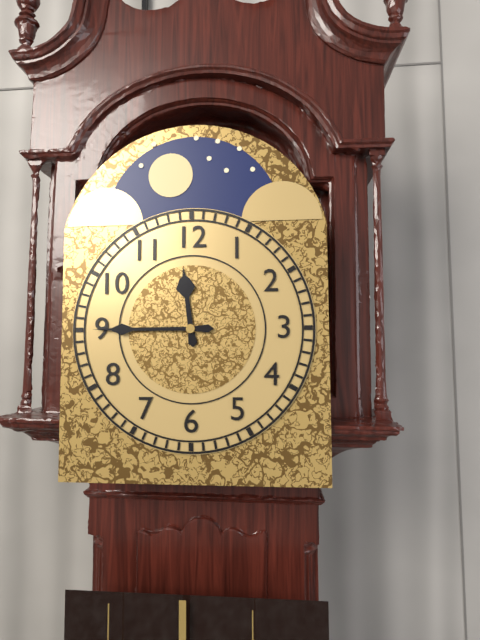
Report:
**11:45**
